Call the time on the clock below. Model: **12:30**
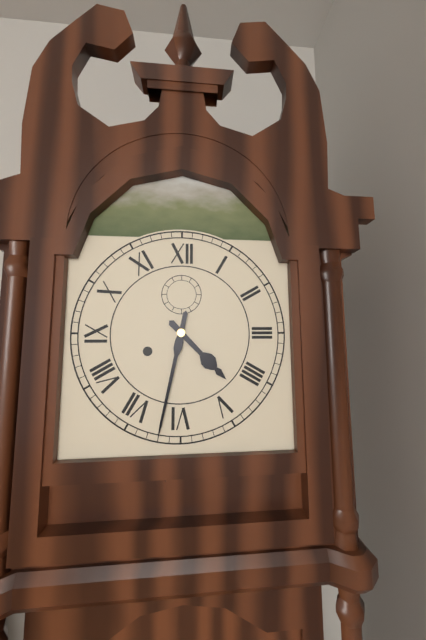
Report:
**4:32**
